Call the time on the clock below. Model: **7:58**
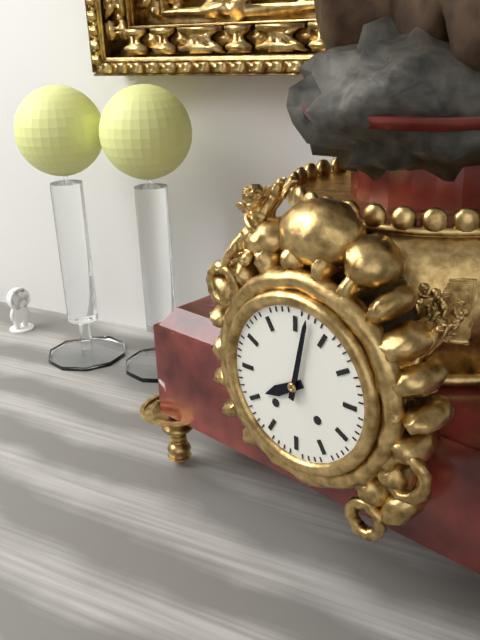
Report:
**8:02**
